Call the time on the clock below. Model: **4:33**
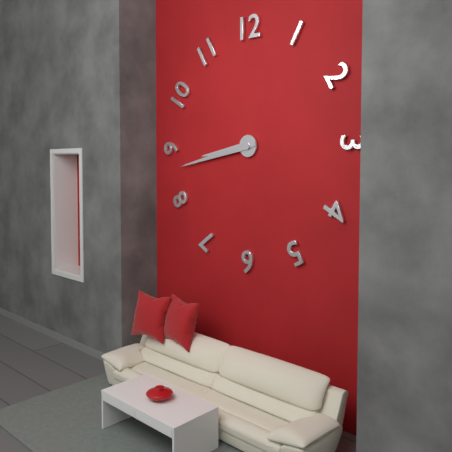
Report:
**8:43**
